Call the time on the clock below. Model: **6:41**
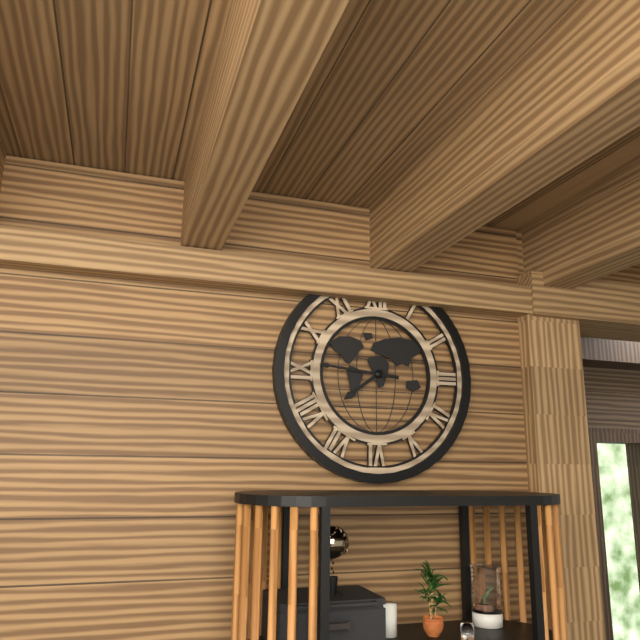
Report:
**7:46**
